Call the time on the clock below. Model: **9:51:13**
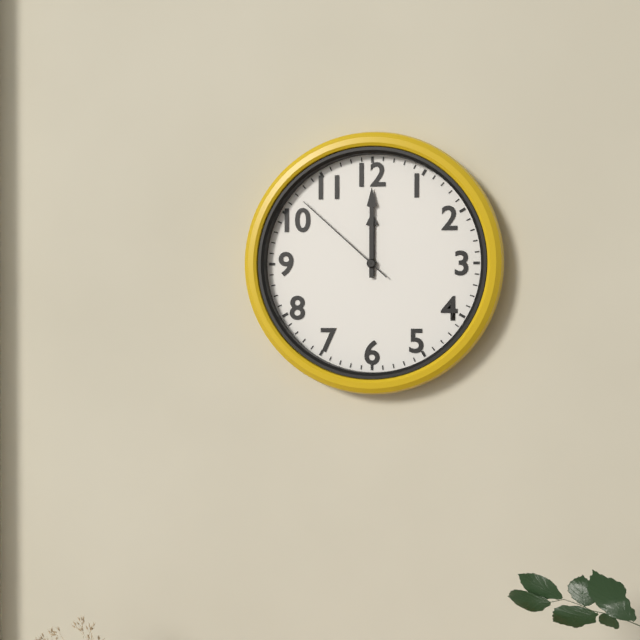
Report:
**12:00:52**
